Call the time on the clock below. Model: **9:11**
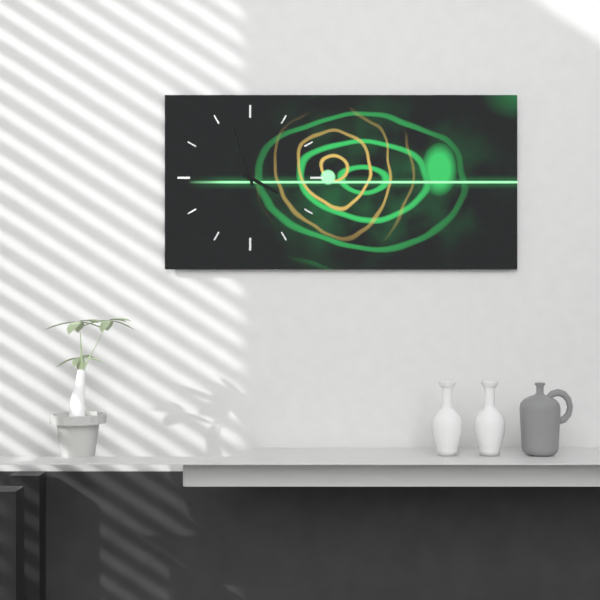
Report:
**3:57**
